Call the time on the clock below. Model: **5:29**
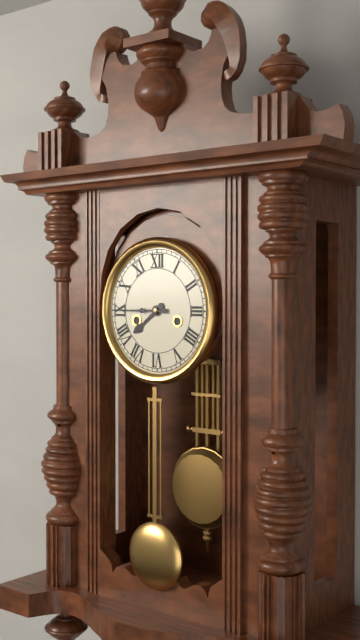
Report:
**7:45**
